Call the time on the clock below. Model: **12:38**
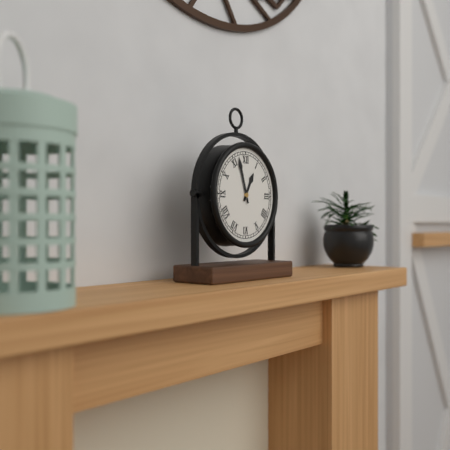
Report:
**12:57**
